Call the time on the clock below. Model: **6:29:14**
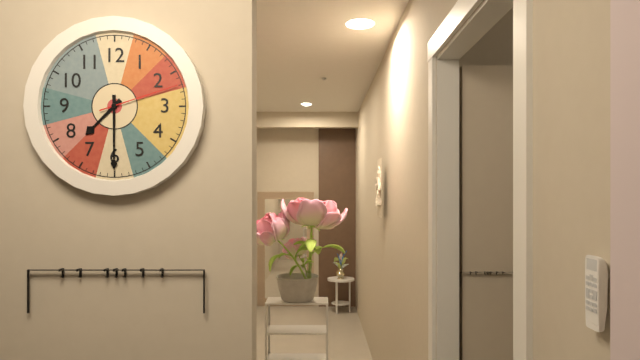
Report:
**7:30:12**
